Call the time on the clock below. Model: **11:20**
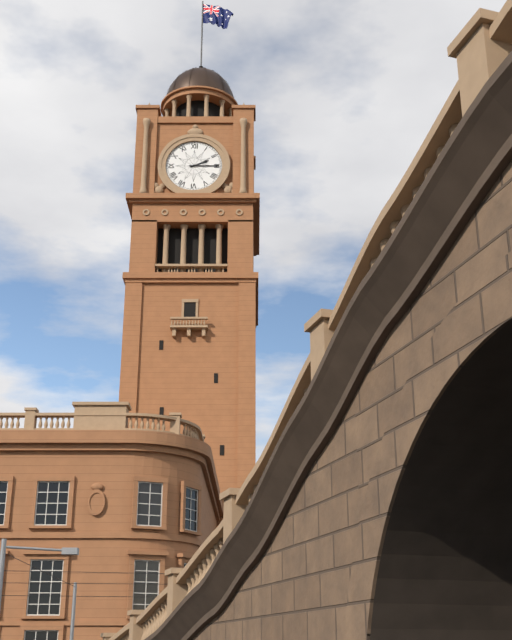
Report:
**2:15**
